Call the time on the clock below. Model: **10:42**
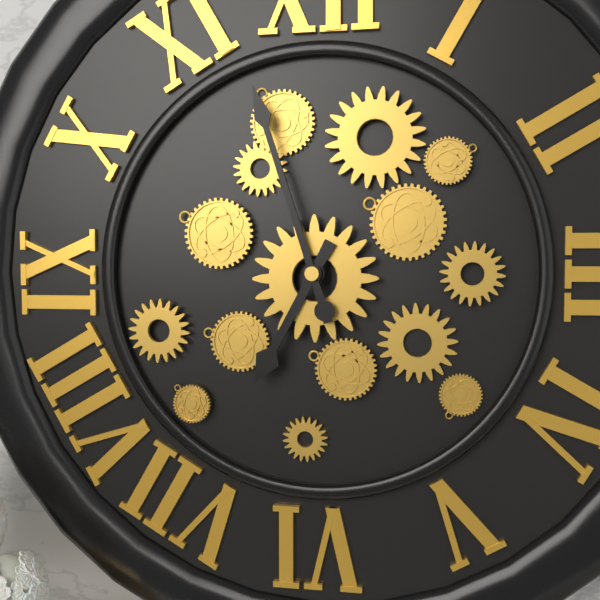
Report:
**6:57**
